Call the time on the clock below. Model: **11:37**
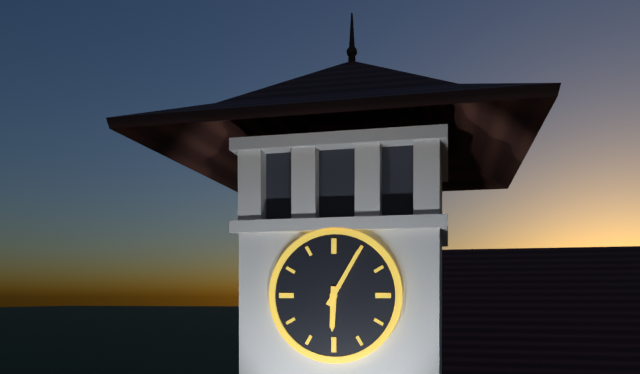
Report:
**6:05**
